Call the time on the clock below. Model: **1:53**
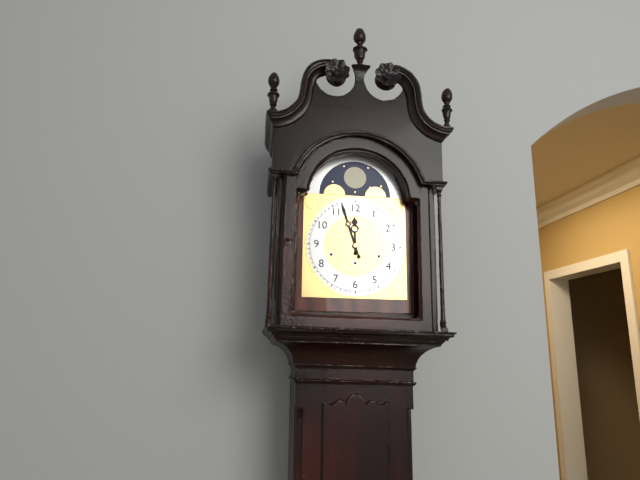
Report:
**11:57**
